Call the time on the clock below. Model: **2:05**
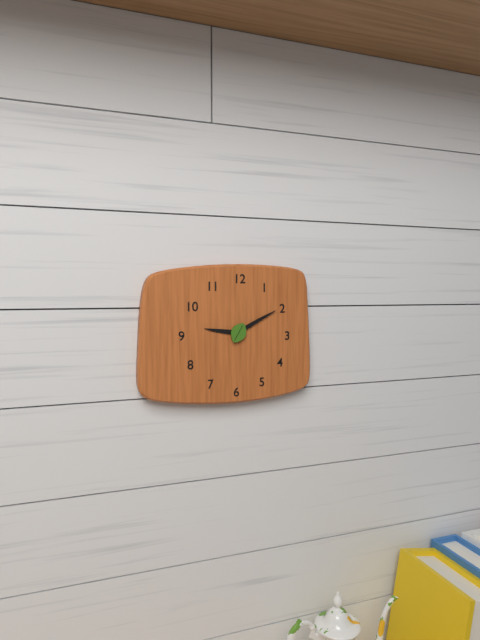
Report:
**9:10**
